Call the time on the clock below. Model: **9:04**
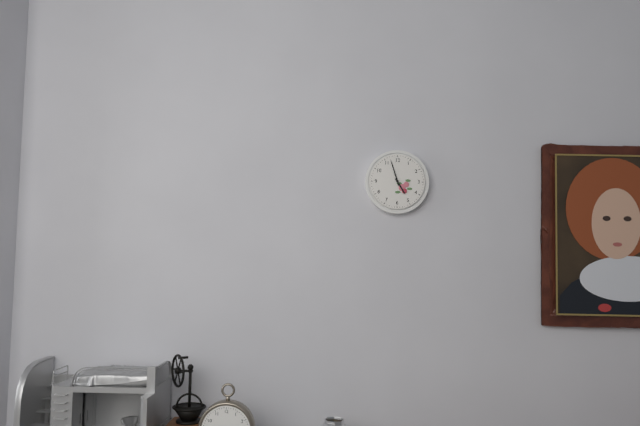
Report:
**4:57**
